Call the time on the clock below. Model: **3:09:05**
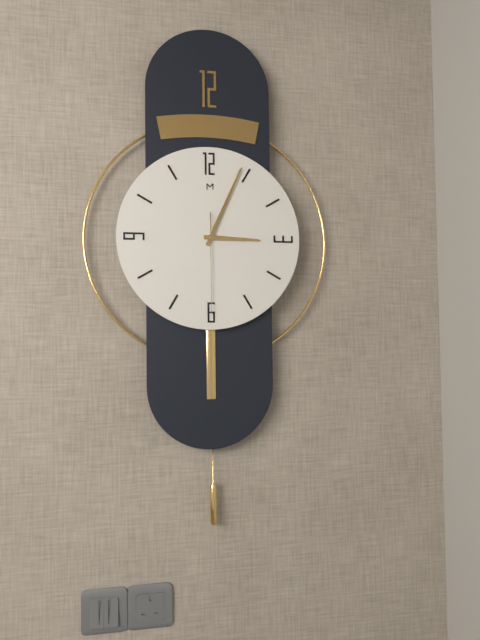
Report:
**3:04:30**
